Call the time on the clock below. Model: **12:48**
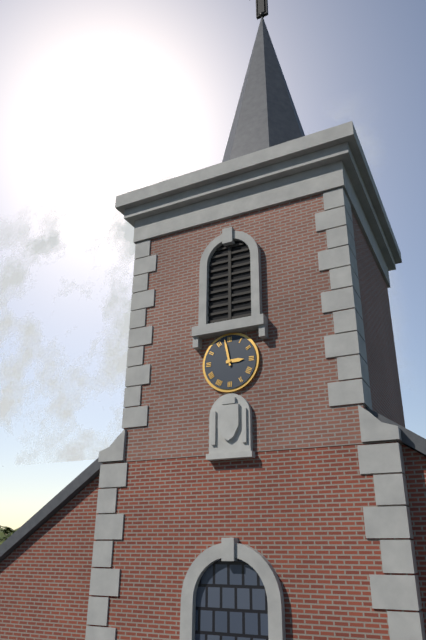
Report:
**2:58**
